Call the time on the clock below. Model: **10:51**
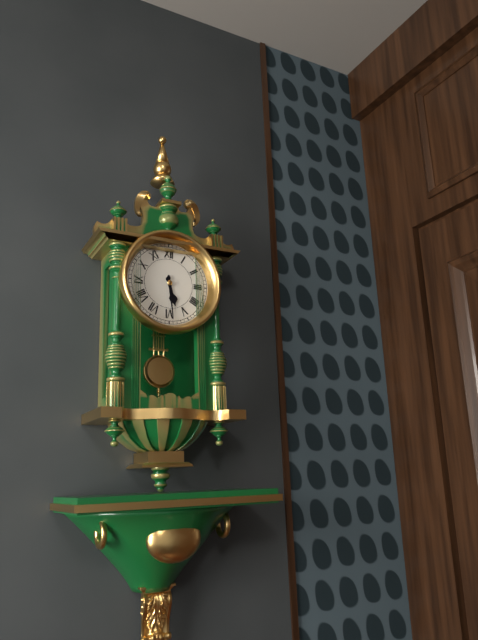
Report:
**5:29**
